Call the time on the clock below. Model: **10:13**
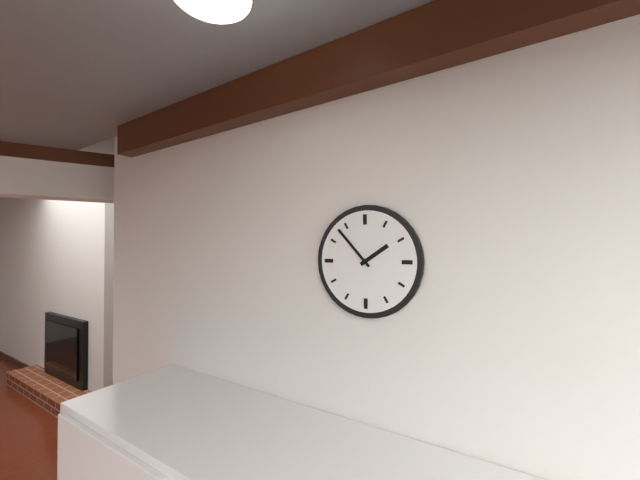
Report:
**1:53**
